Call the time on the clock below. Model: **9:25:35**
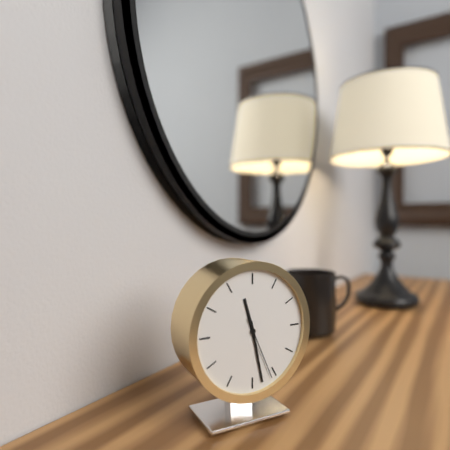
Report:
**11:28:26**
